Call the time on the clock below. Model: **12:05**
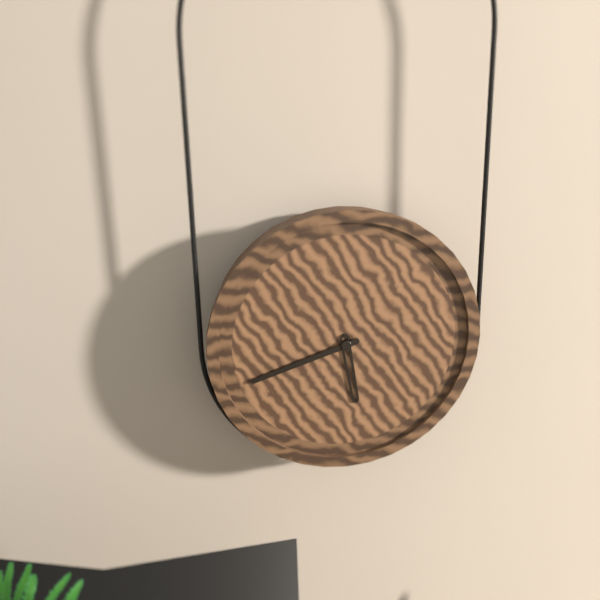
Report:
**5:42**
